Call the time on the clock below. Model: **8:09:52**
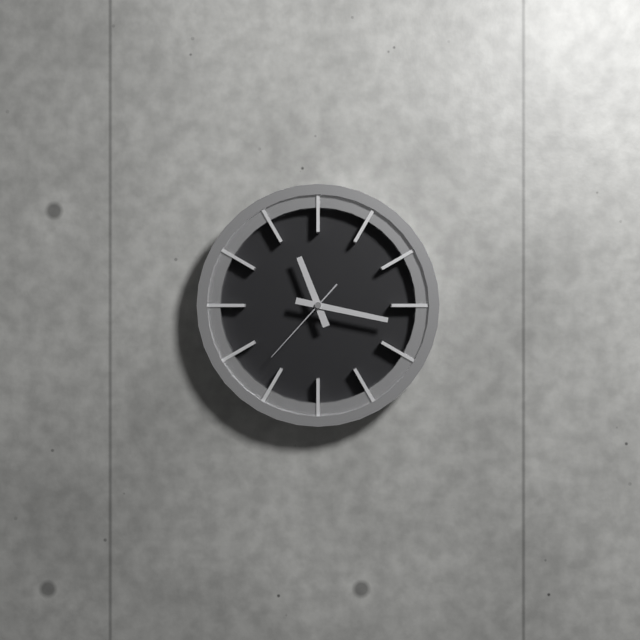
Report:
**11:17:37**
